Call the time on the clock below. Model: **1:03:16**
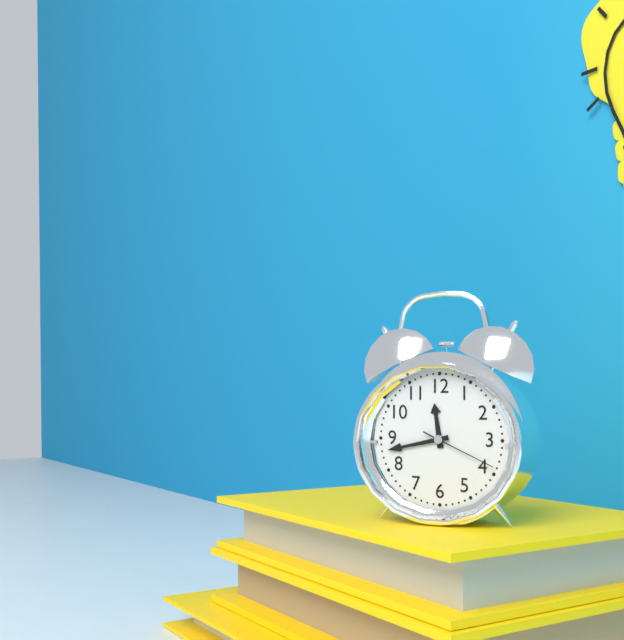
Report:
**11:43:19**
